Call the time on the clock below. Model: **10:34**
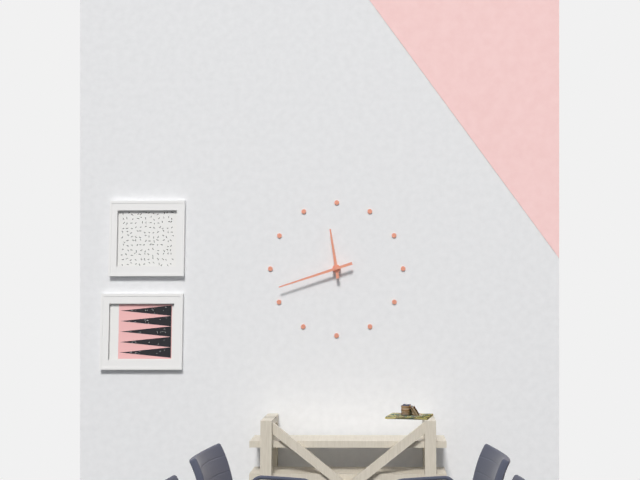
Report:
**11:42**
